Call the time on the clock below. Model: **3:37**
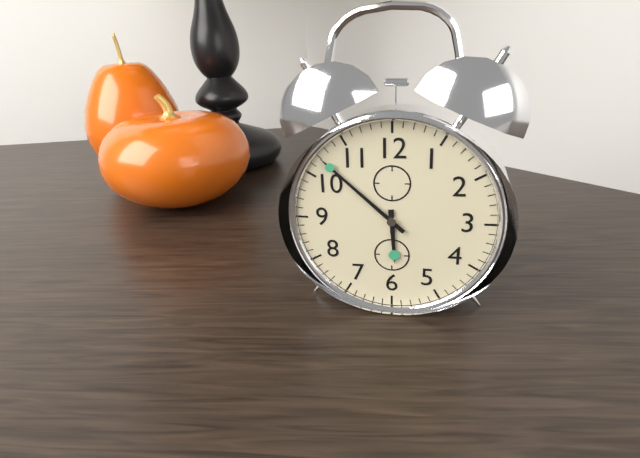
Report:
**5:52**
